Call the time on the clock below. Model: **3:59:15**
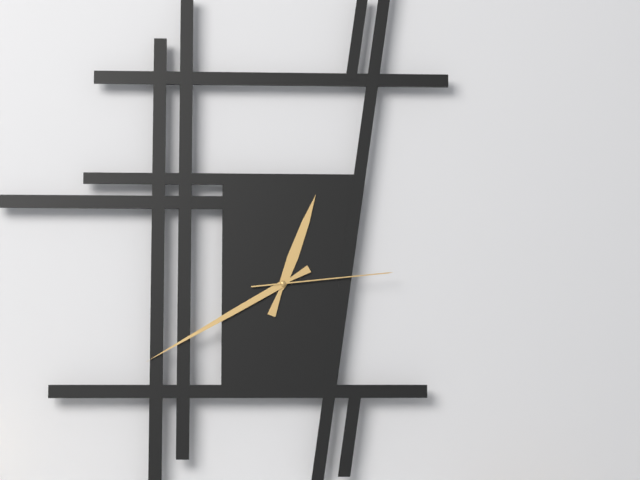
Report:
**12:40:14**
